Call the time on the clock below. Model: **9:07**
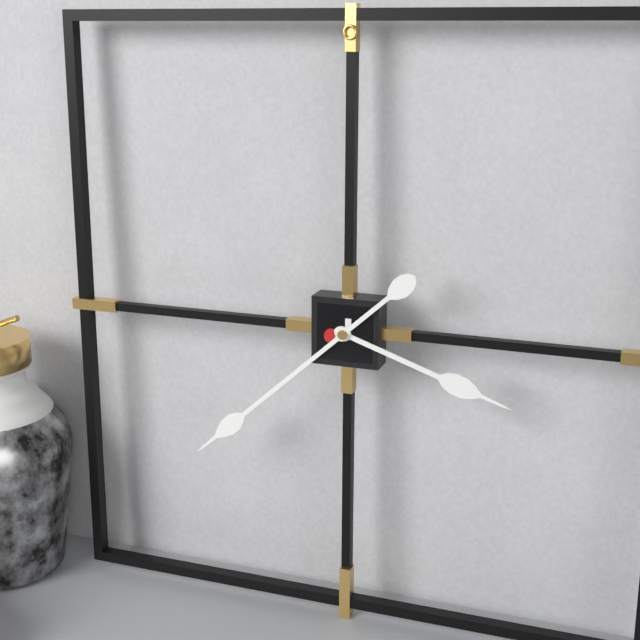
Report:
**3:38**
